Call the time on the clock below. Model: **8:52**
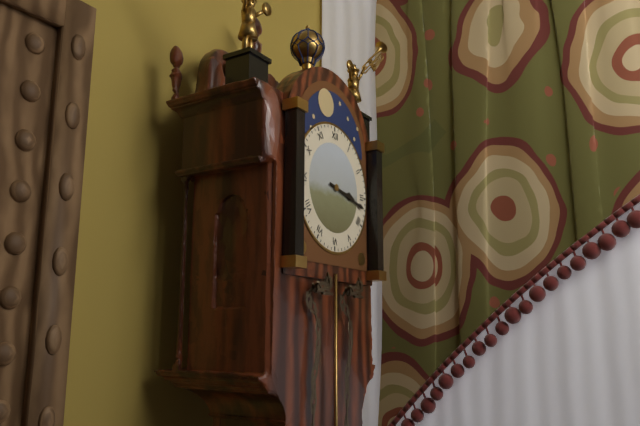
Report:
**3:17**
